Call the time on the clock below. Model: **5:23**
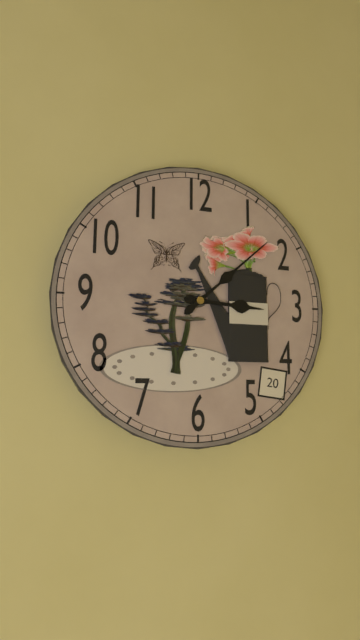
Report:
**3:08**
